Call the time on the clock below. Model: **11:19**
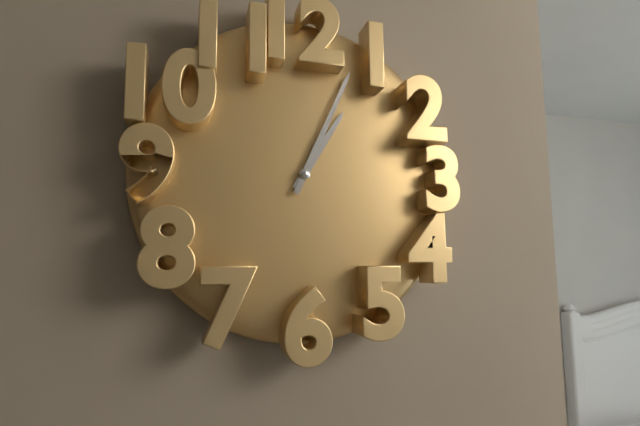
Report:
**1:04**
